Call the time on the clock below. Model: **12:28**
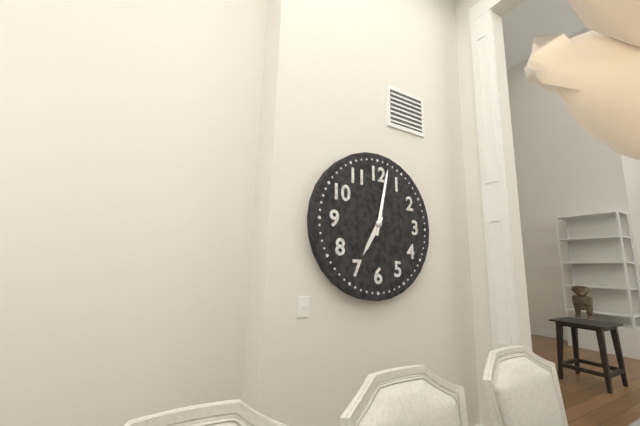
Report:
**7:02**
